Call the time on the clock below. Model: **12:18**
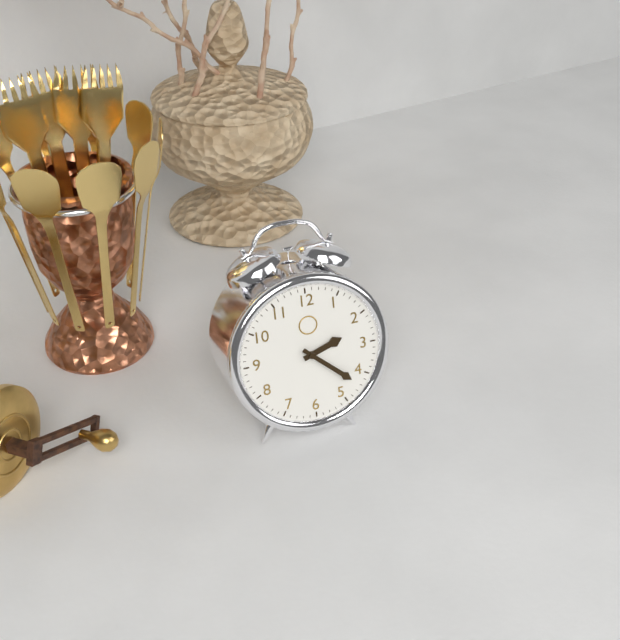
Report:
**2:22**
